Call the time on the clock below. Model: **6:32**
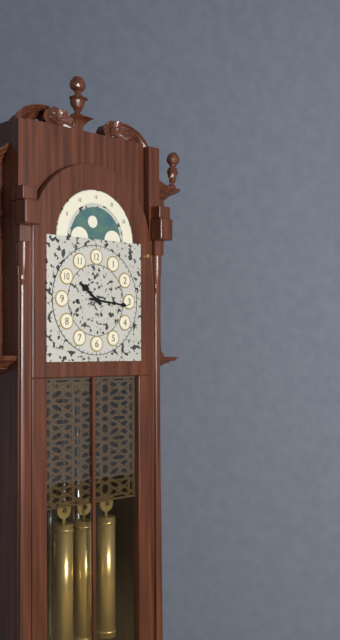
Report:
**10:16**
